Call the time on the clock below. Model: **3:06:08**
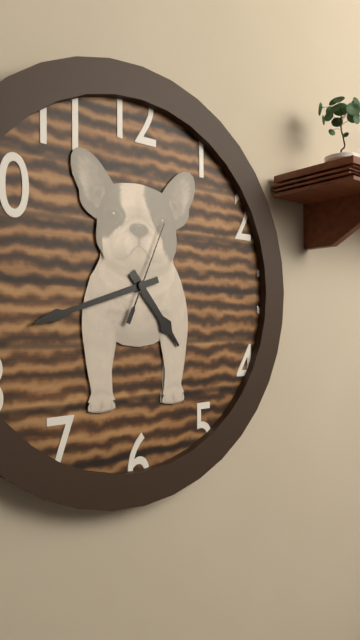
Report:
**4:42:04**
